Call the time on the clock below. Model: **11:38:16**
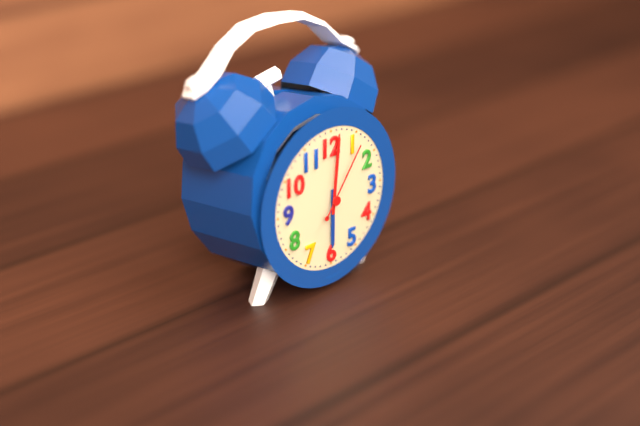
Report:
**6:01:06**
